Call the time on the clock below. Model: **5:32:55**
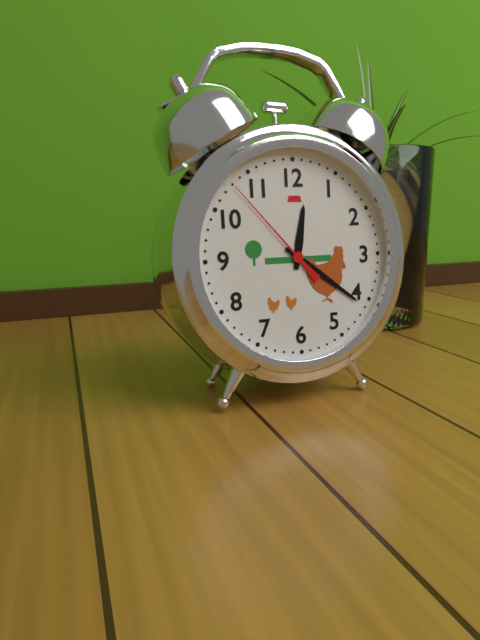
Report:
**12:21:53**
